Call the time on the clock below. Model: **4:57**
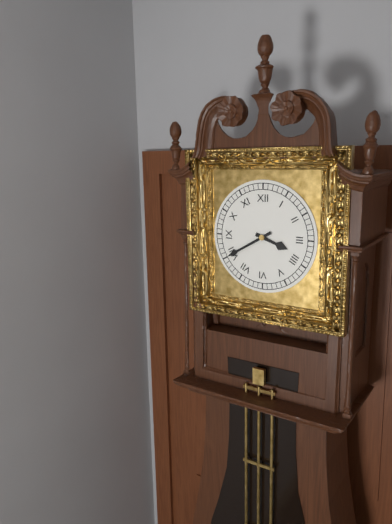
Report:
**3:40**
